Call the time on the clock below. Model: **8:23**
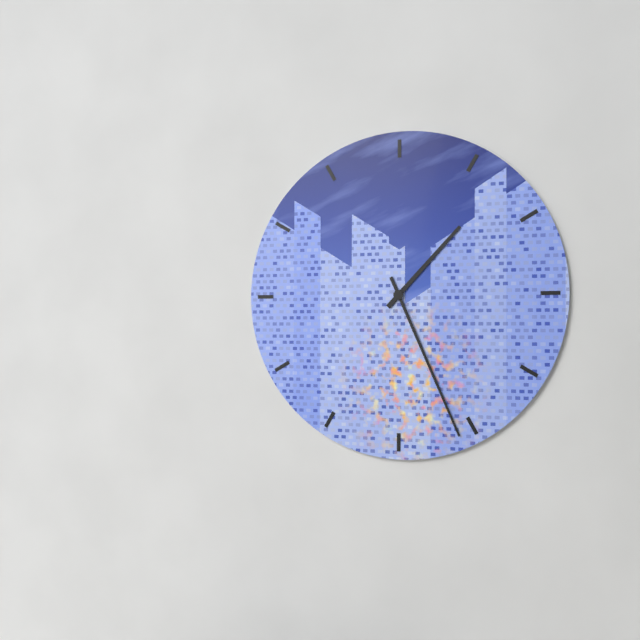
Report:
**1:26**
